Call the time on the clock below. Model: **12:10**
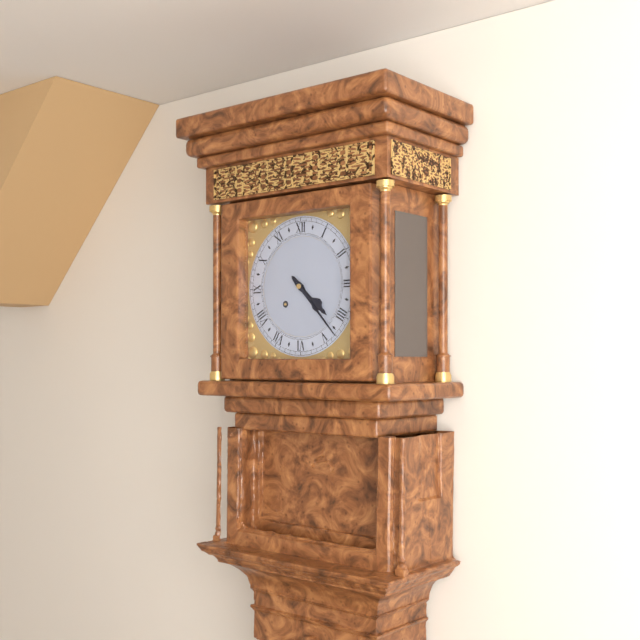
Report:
**4:23**
